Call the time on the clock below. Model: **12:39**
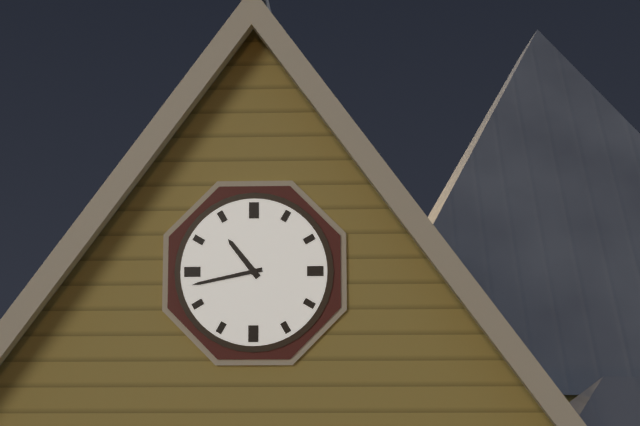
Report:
**10:43**
